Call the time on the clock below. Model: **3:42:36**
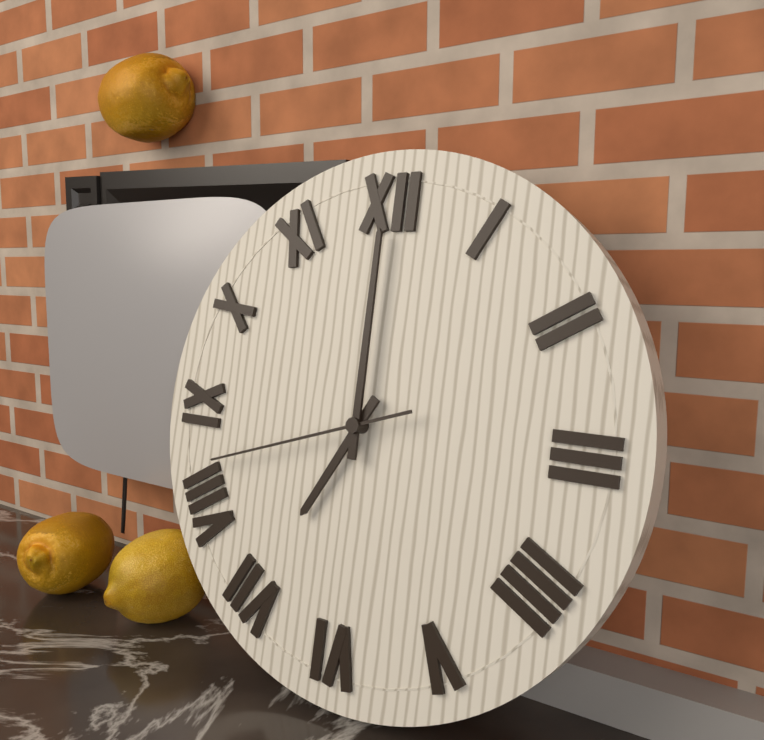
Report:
**7:00:42**
